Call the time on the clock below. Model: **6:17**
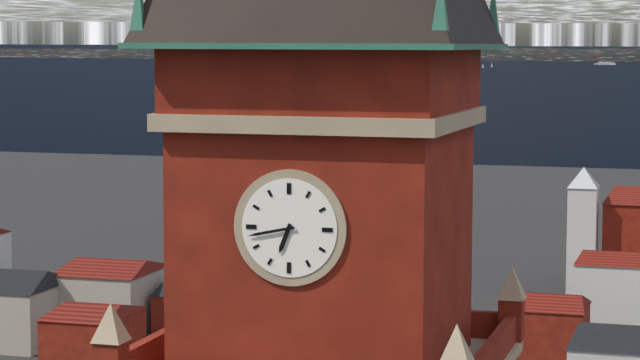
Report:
**6:43**
